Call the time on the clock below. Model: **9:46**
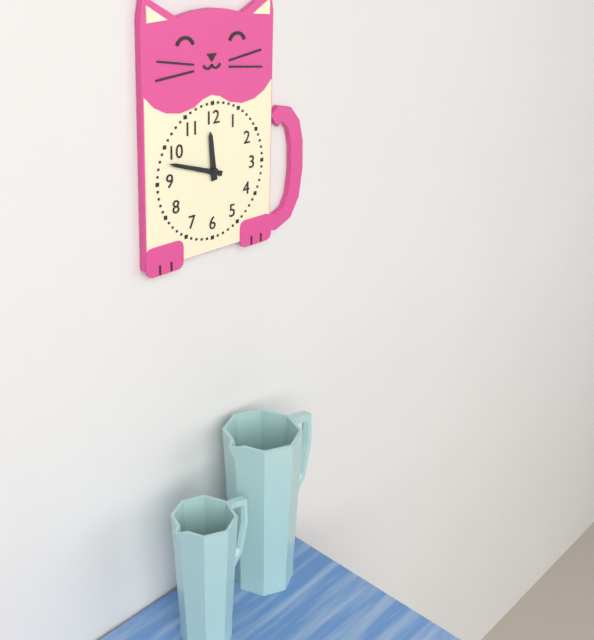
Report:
**11:48**
